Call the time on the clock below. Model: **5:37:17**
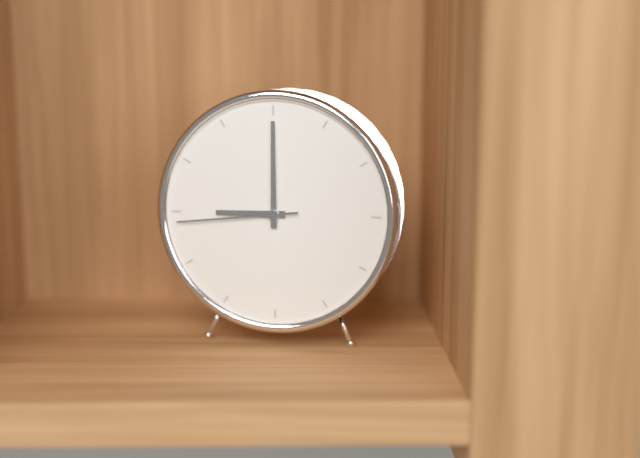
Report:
**9:00:44**
